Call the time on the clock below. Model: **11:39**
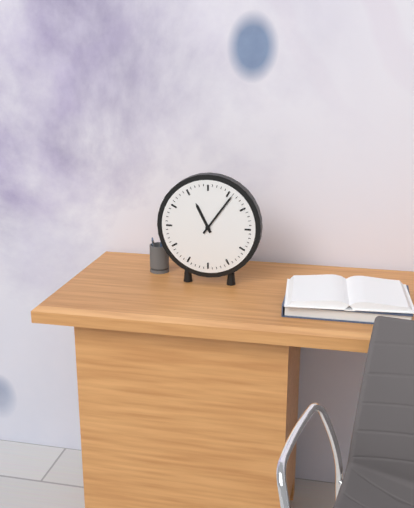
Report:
**11:06**
